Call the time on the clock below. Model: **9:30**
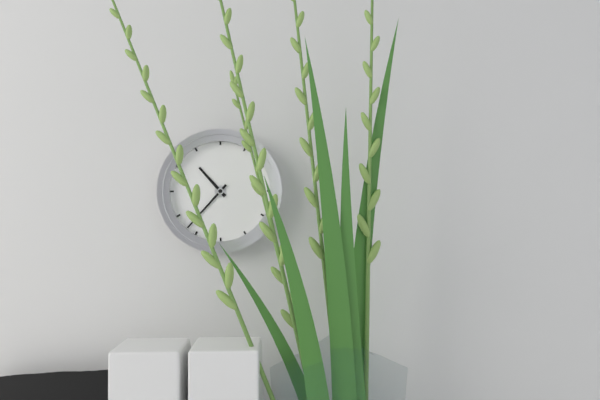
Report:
**10:37**
